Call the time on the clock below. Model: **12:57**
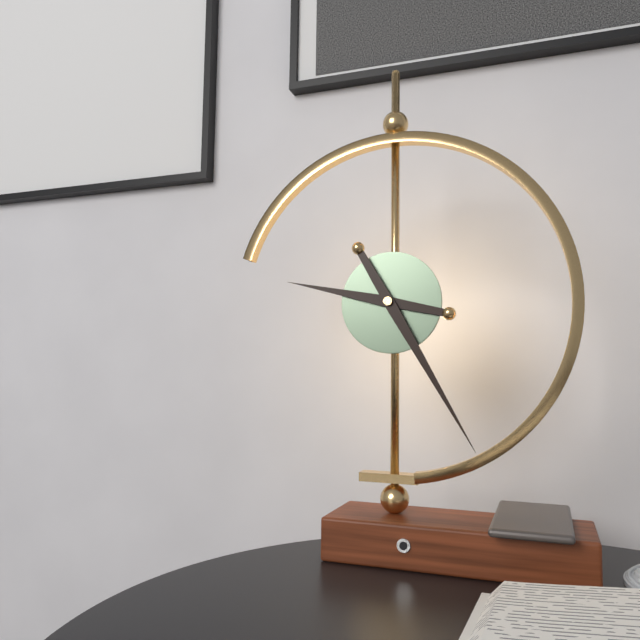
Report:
**9:25**
